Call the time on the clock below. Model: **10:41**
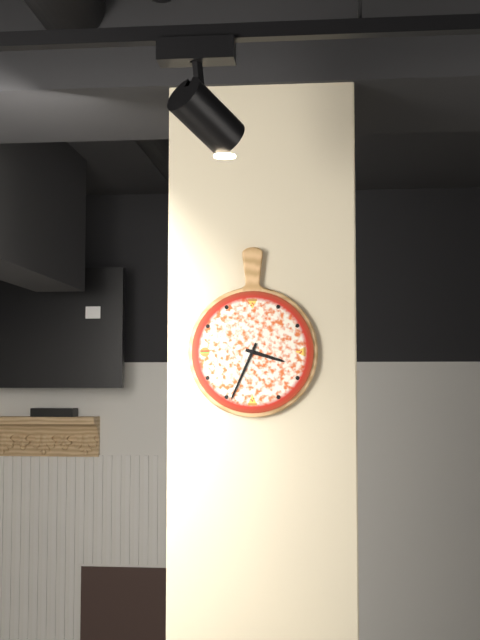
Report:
**3:34**
